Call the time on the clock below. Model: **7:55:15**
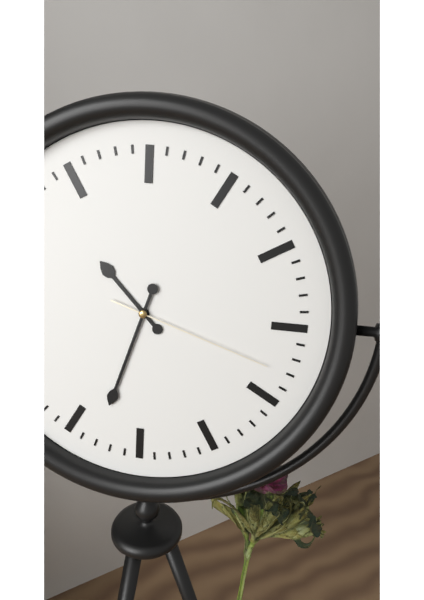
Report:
**10:33:18**
